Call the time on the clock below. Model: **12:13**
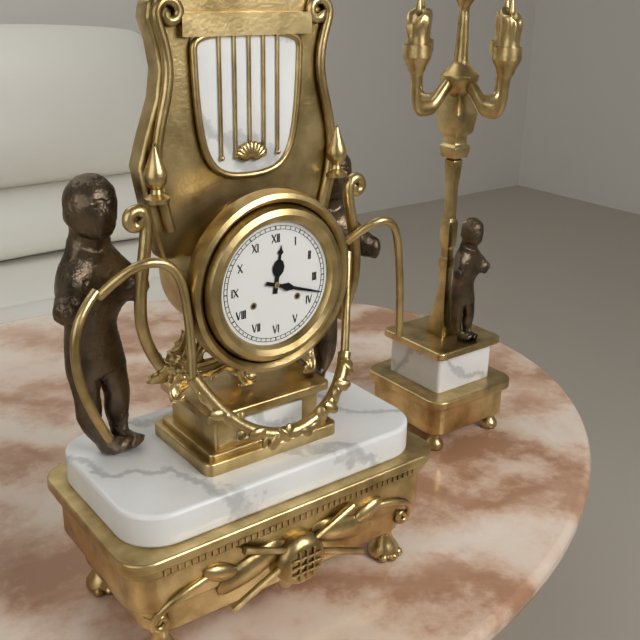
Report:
**12:18**
